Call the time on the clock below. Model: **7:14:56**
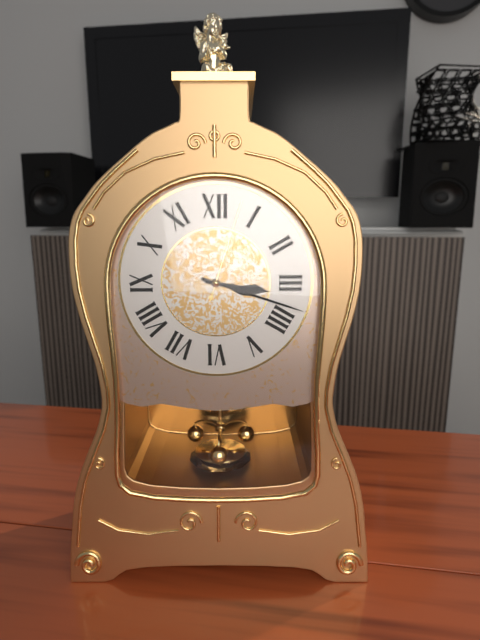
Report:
**3:18:03**
